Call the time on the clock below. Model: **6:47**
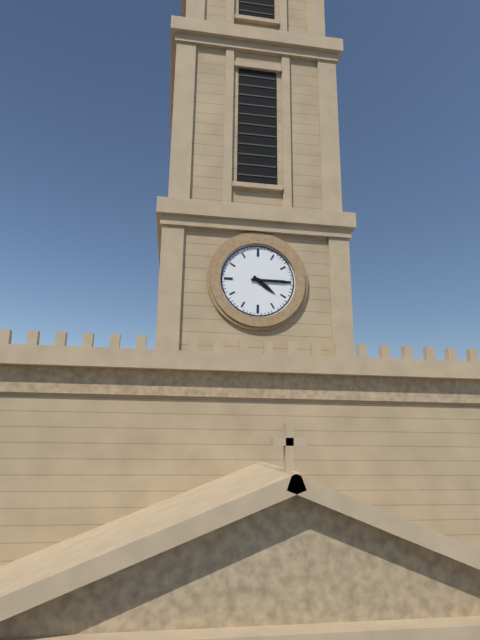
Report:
**4:15**
